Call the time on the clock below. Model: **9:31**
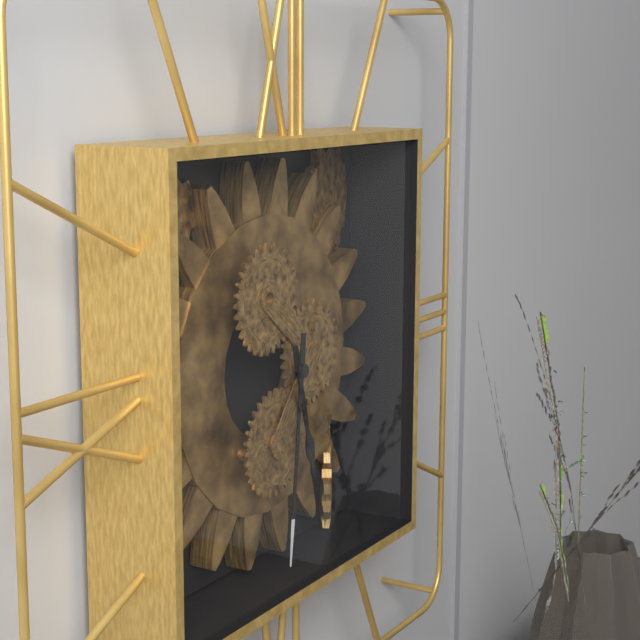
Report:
**5:31**
